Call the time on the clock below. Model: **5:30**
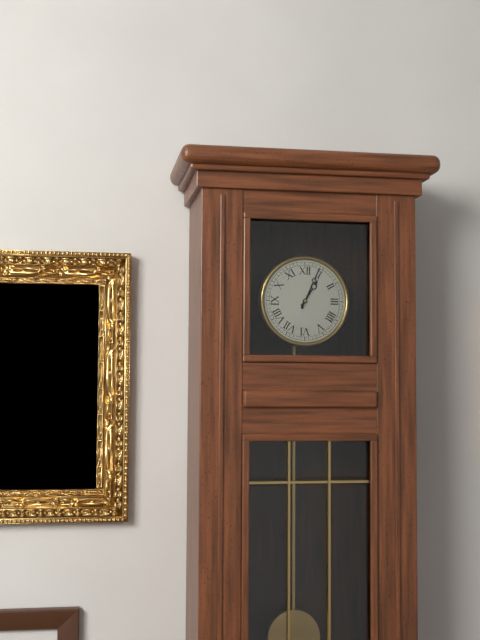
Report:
**1:04**
